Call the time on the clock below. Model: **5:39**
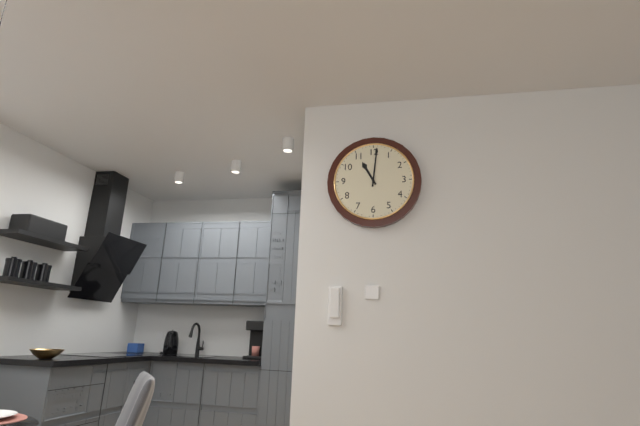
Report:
**11:01**
